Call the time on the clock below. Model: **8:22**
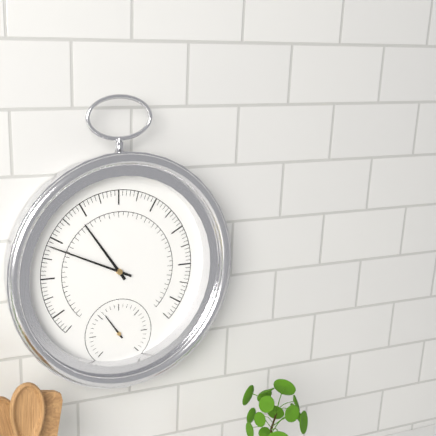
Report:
**10:49**
